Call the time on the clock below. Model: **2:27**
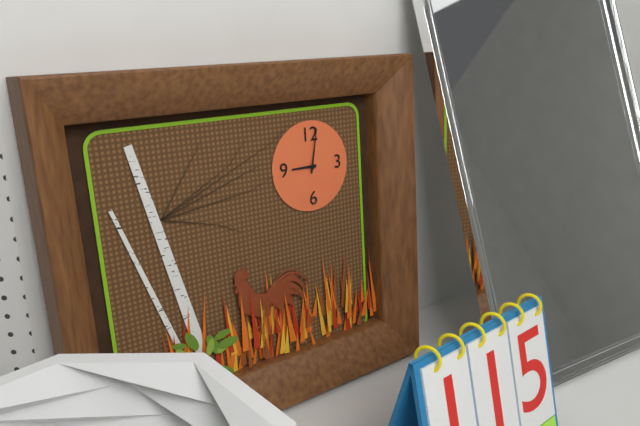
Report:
**9:02**
